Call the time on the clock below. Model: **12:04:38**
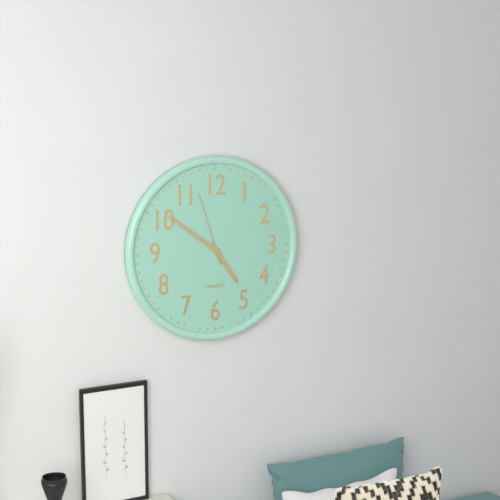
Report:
**4:51:57**
